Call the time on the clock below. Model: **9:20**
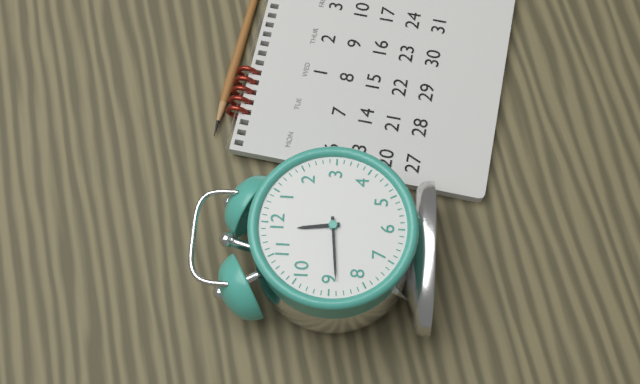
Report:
**11:44**
